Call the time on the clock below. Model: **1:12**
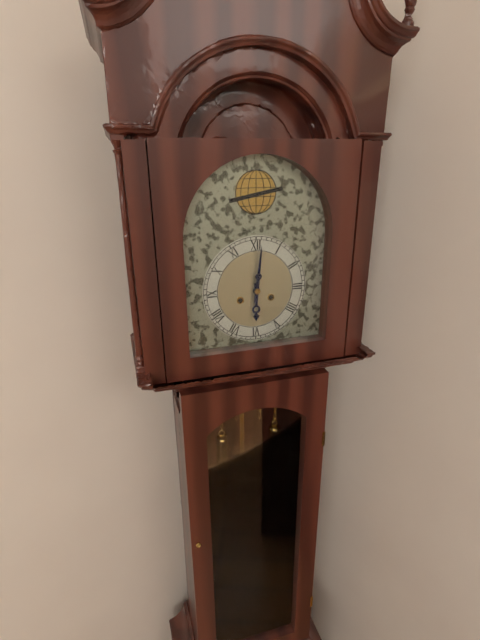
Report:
**6:01**
